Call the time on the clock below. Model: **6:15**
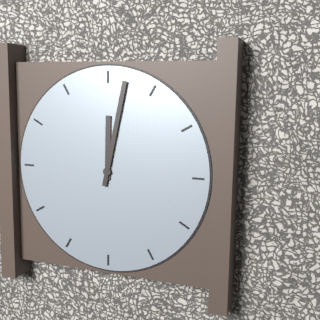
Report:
**12:02**
